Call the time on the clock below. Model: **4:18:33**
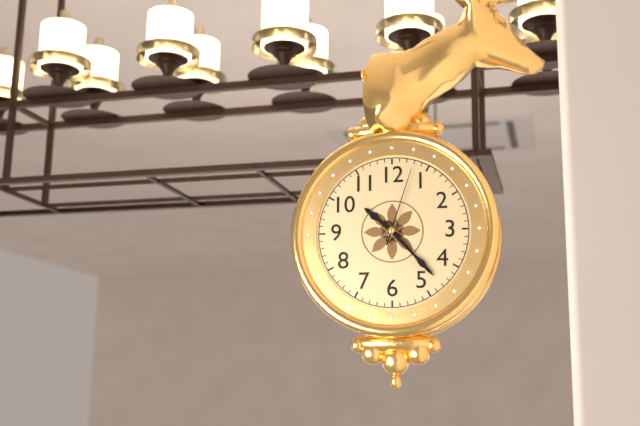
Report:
**10:23:03**
